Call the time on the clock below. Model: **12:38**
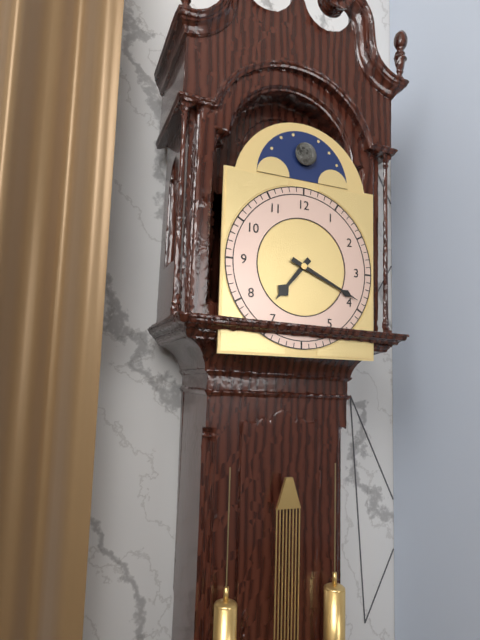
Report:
**7:19**
